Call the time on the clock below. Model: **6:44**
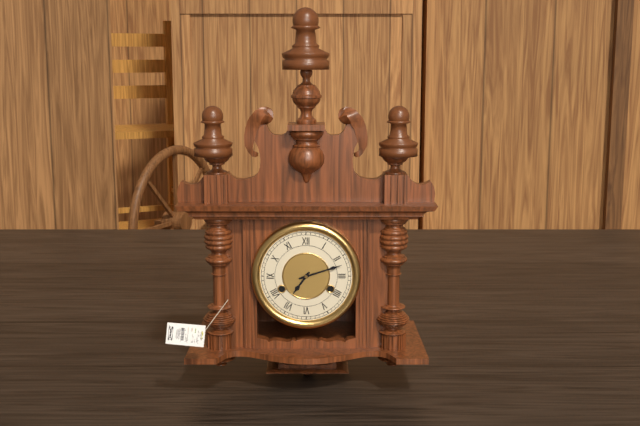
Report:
**7:12**
